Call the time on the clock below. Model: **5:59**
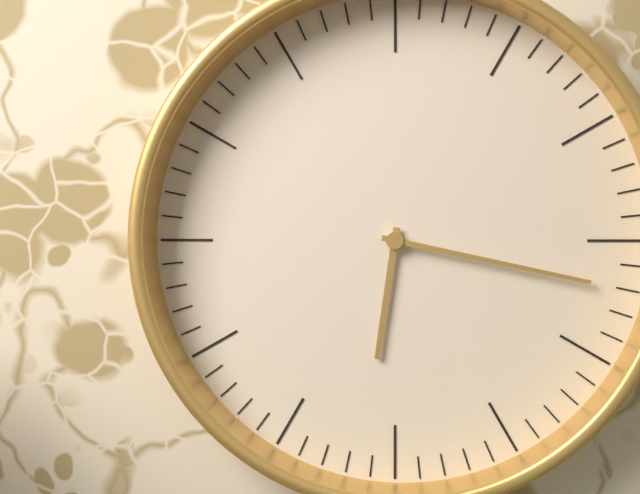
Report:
**6:17**
